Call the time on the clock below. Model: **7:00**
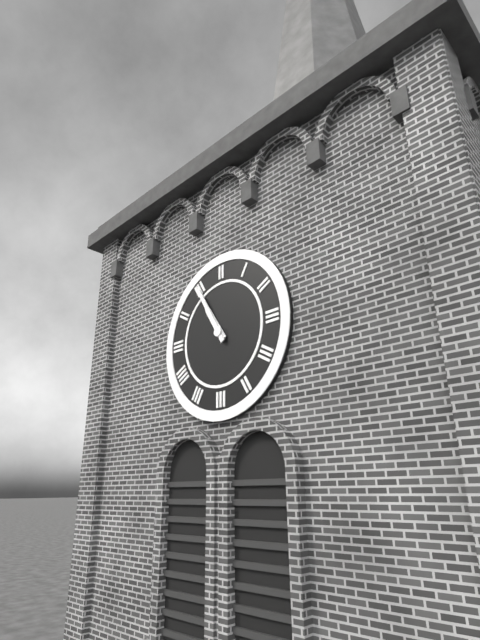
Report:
**10:55**
